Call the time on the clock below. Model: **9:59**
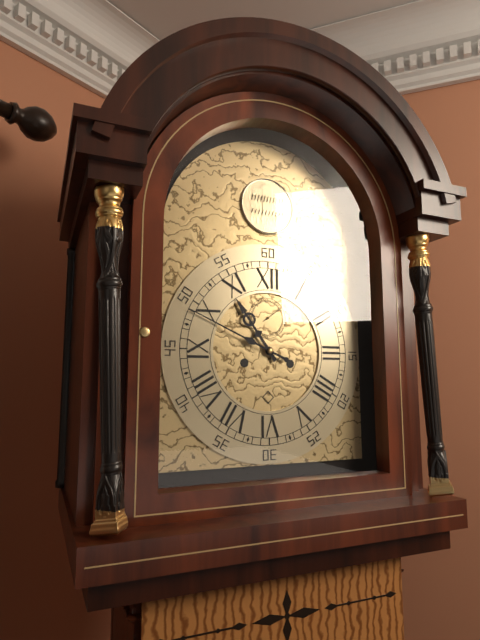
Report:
**10:49**
